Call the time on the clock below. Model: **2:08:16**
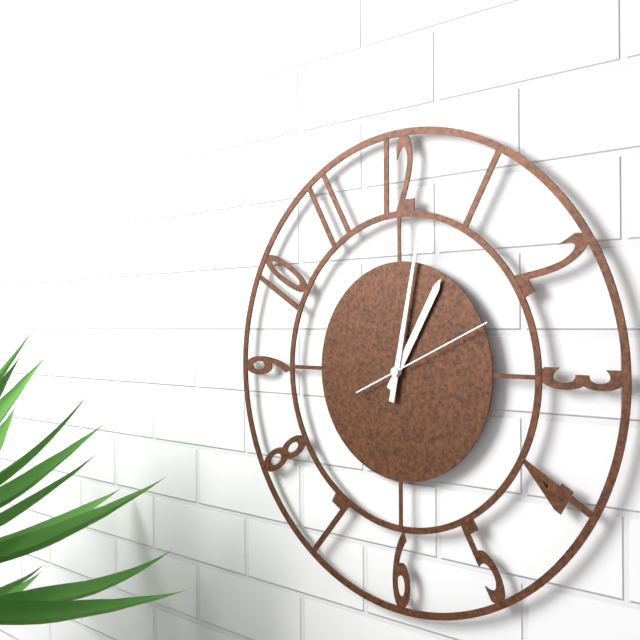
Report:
**1:02:11**
